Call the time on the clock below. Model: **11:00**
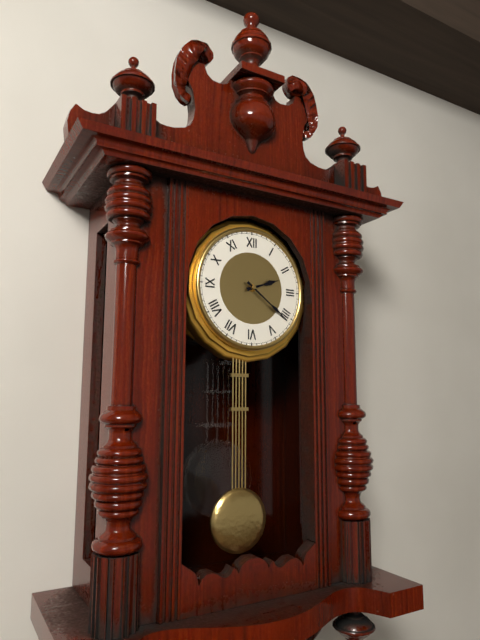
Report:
**2:21**
